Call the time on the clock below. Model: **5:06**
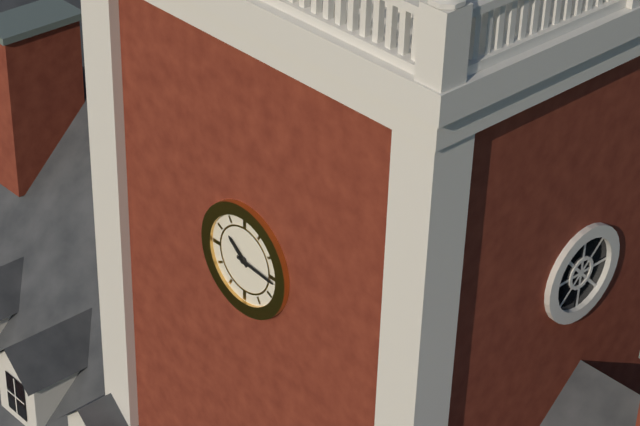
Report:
**10:16**
